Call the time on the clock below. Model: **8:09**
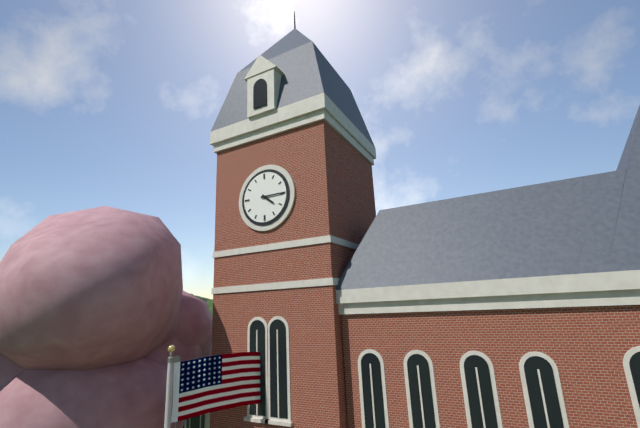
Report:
**4:15**
